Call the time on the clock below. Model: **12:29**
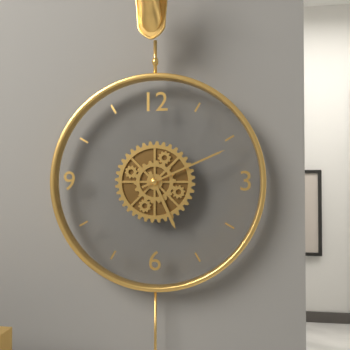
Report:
**5:11**
